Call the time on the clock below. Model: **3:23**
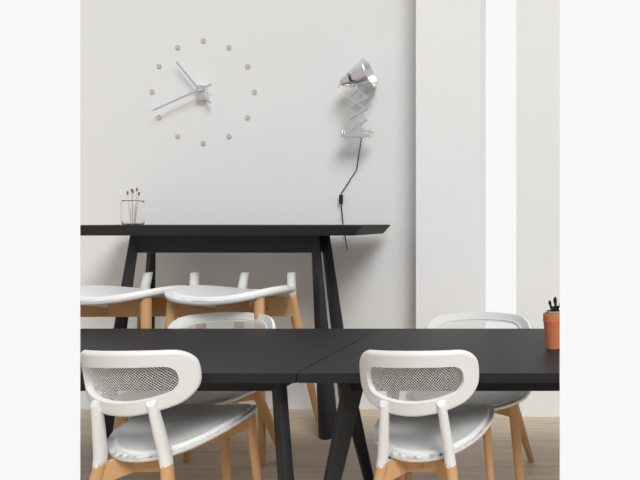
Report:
**10:41**
